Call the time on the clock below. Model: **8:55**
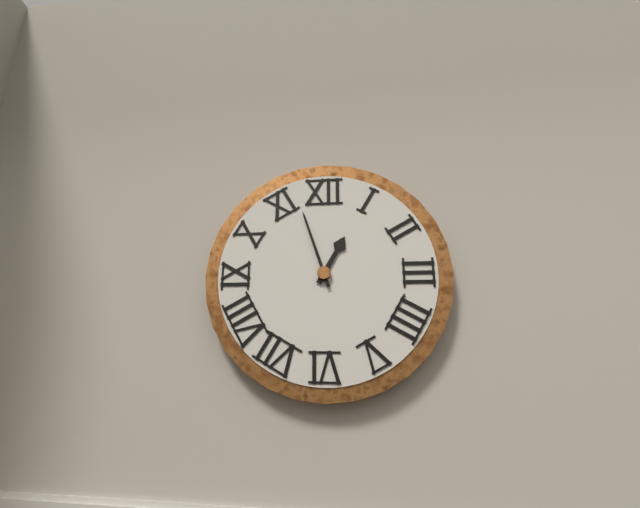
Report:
**12:57**
